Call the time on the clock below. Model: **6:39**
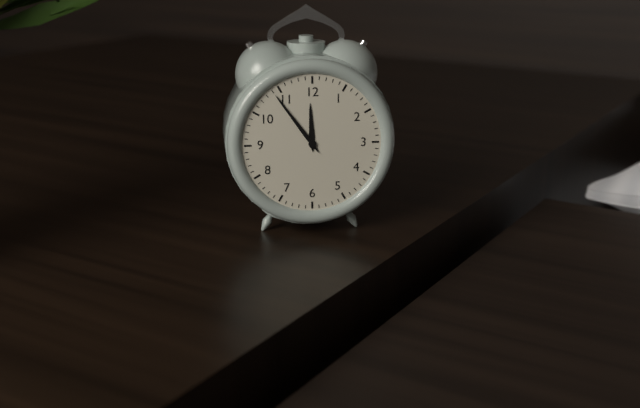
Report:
**11:54**
